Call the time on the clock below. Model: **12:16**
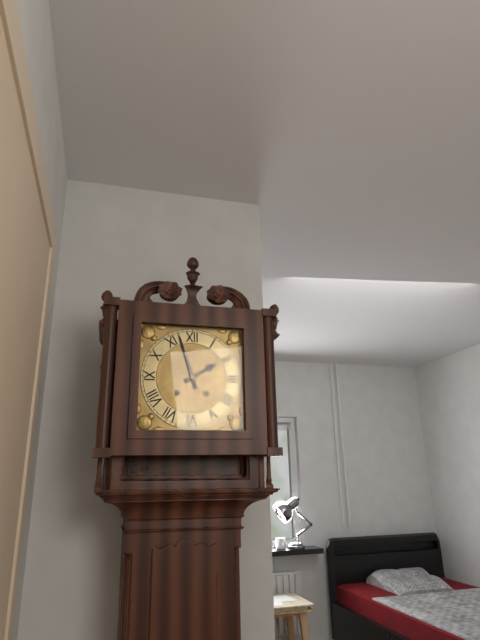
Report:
**1:57**
